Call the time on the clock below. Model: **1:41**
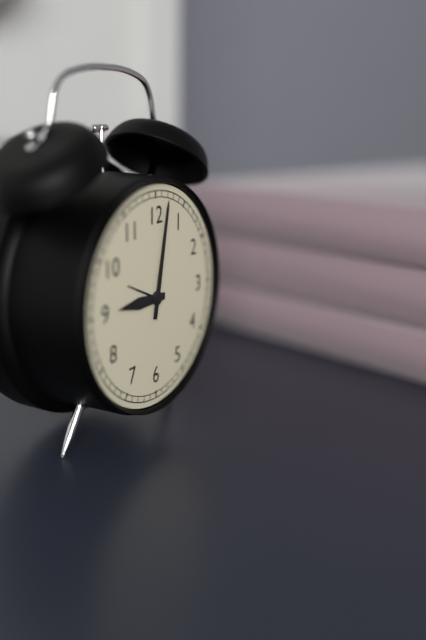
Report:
**9:02**
